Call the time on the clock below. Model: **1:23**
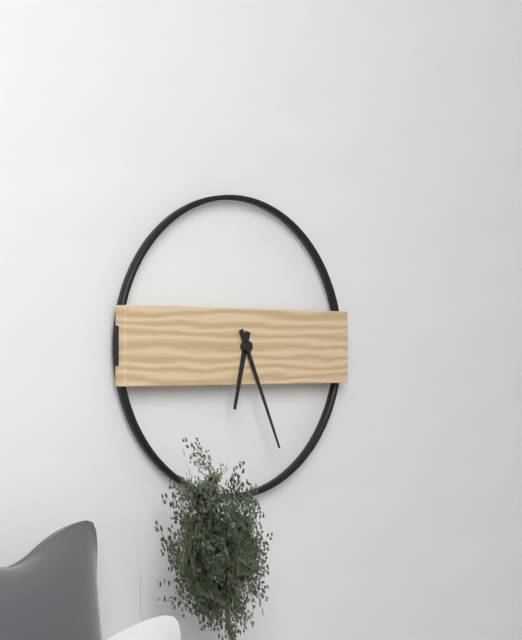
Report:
**6:26**
